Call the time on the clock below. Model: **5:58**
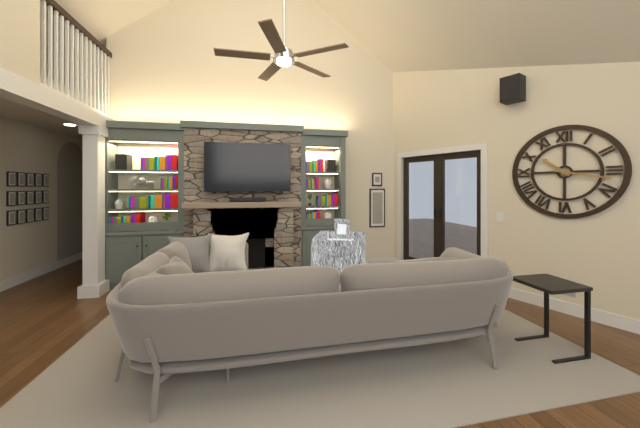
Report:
**10:17**
